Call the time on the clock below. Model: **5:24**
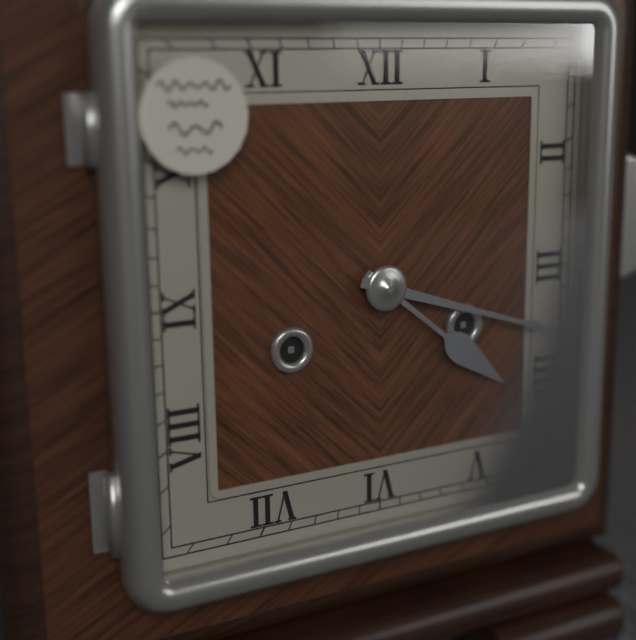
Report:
**4:18**
